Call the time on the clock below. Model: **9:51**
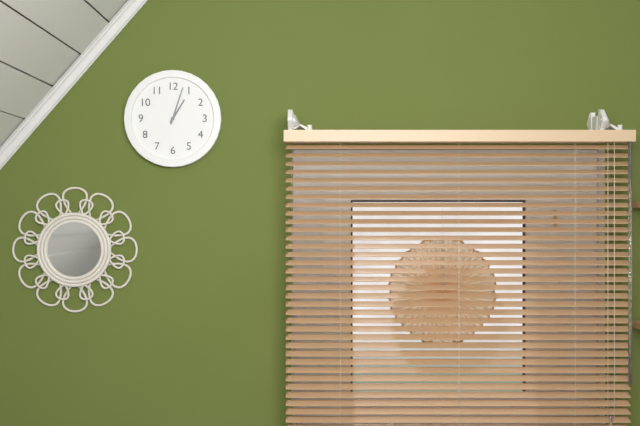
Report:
**1:03**
